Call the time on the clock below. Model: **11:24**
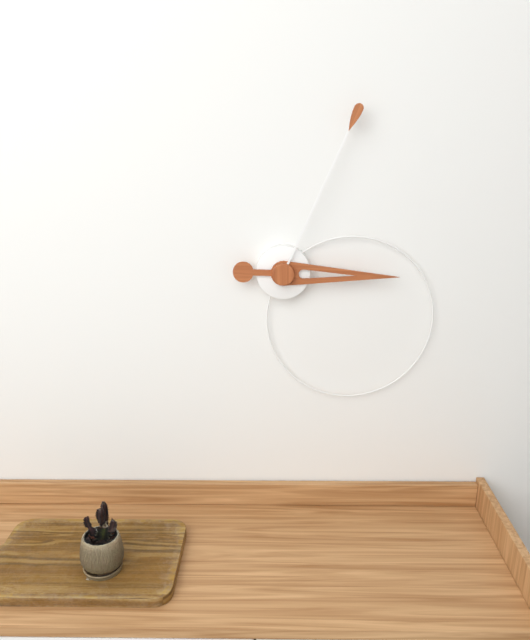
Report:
**3:04**
